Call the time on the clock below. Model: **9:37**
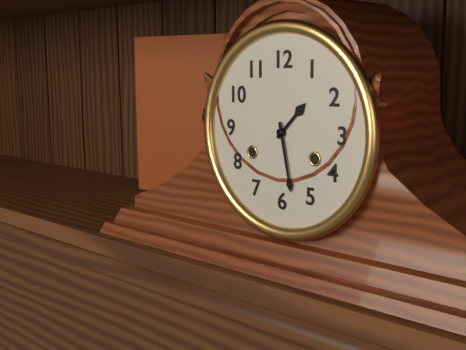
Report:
**1:28**
